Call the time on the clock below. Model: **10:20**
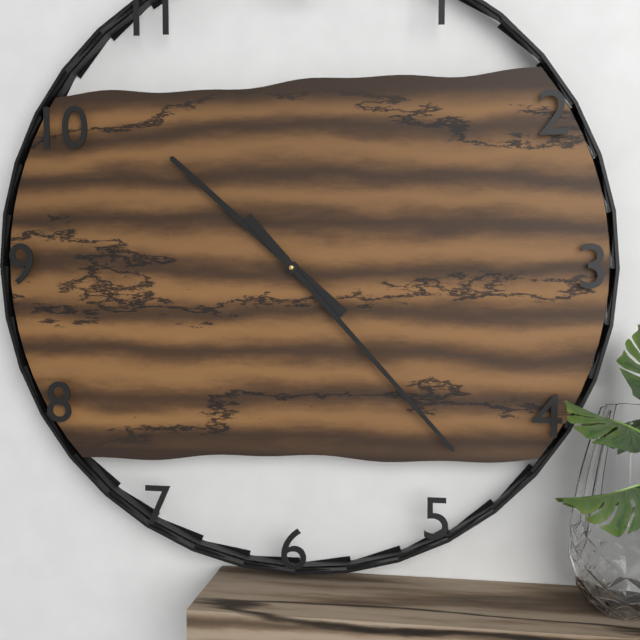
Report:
**10:23**
